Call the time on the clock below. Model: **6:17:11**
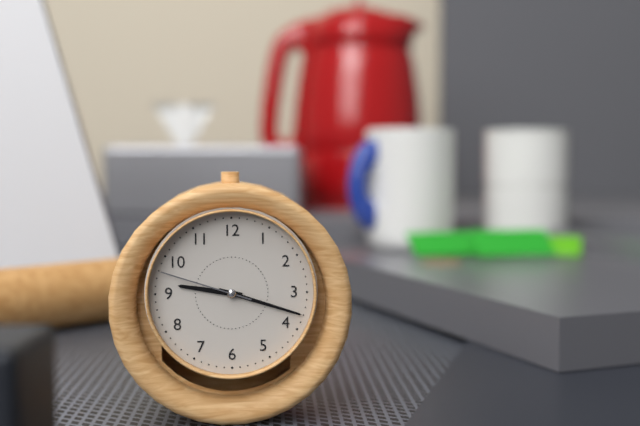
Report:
**9:18:48**
